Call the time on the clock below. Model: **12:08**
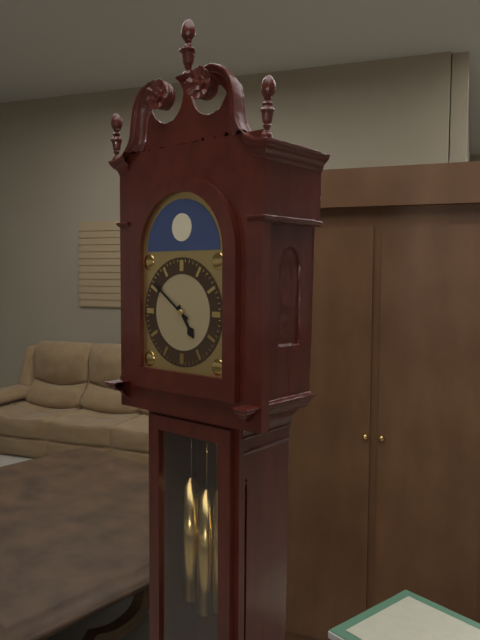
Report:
**4:51**
